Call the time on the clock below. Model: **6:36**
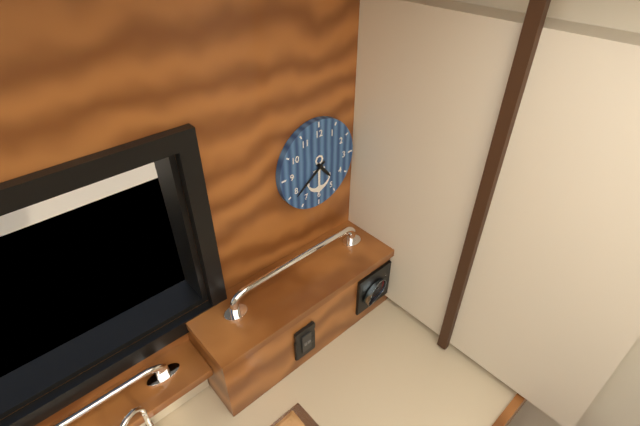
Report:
**4:39**
